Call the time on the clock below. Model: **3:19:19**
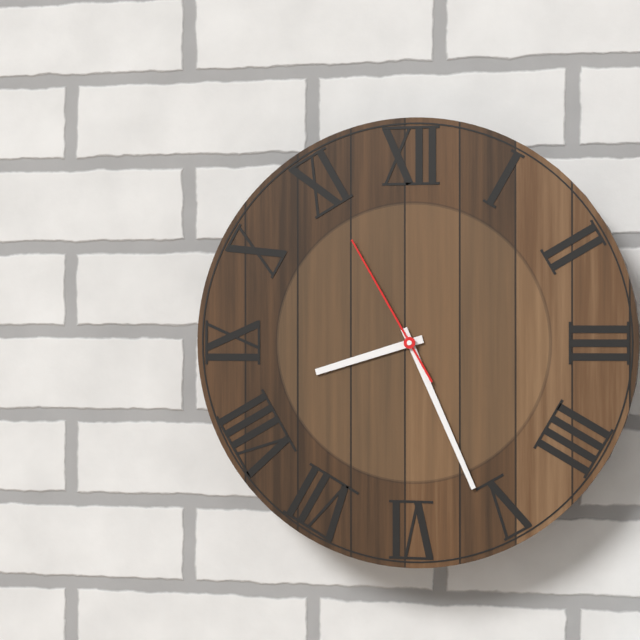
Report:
**8:26:55**
